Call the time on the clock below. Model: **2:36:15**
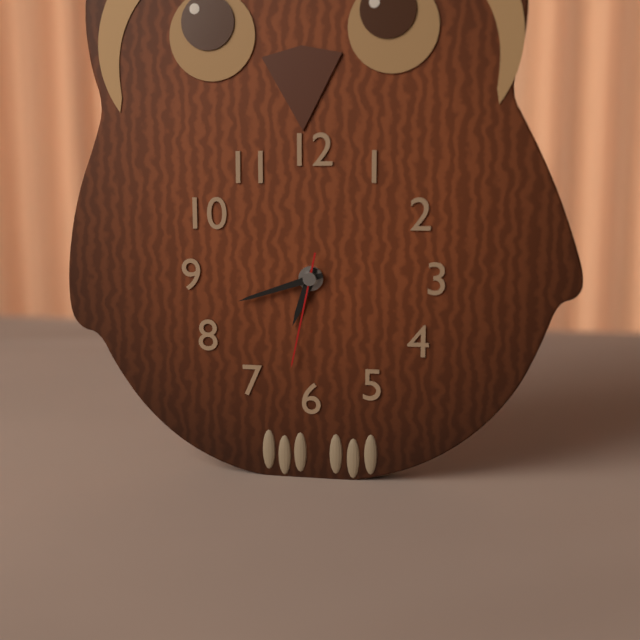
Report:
**6:42:32**
